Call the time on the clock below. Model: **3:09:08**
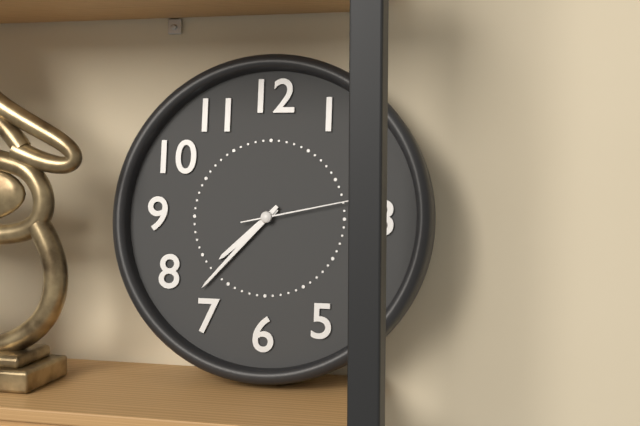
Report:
**7:37:13**
